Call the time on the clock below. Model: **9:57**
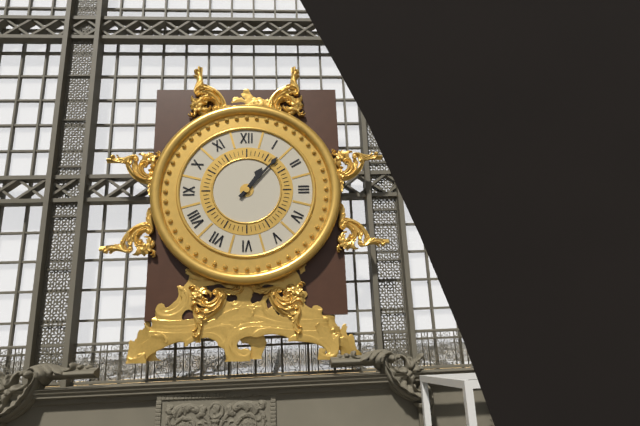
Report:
**1:07**
